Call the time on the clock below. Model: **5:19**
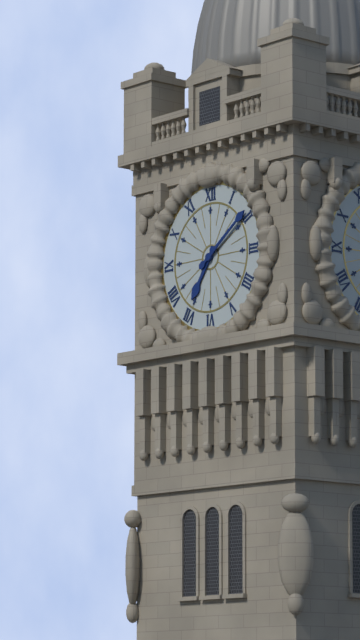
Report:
**7:09**
